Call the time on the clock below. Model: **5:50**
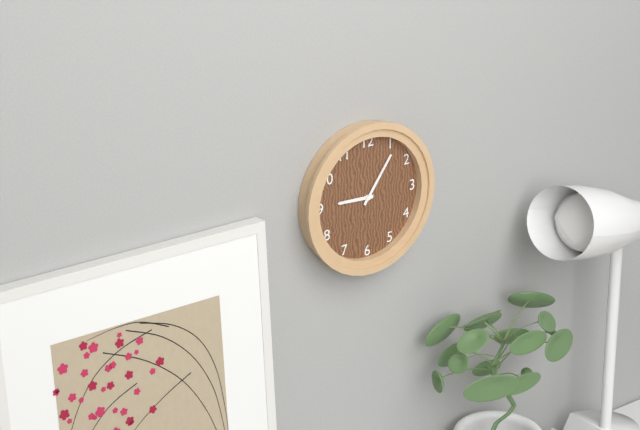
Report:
**9:06**
